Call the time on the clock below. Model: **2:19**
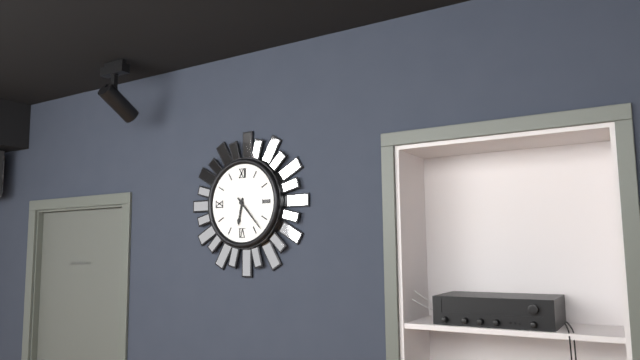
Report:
**6:23**
